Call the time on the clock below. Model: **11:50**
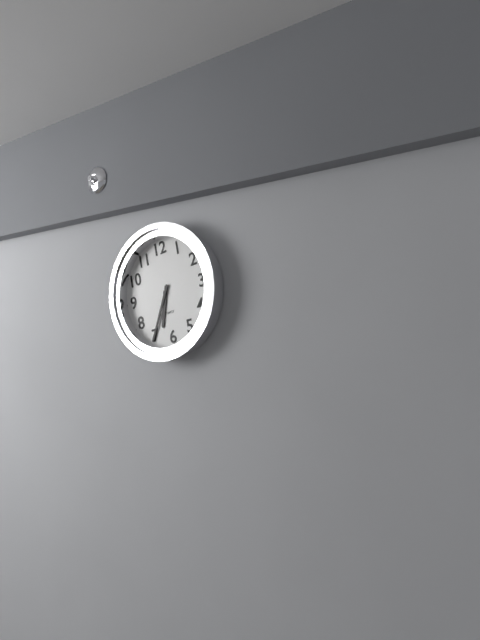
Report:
**6:35**
